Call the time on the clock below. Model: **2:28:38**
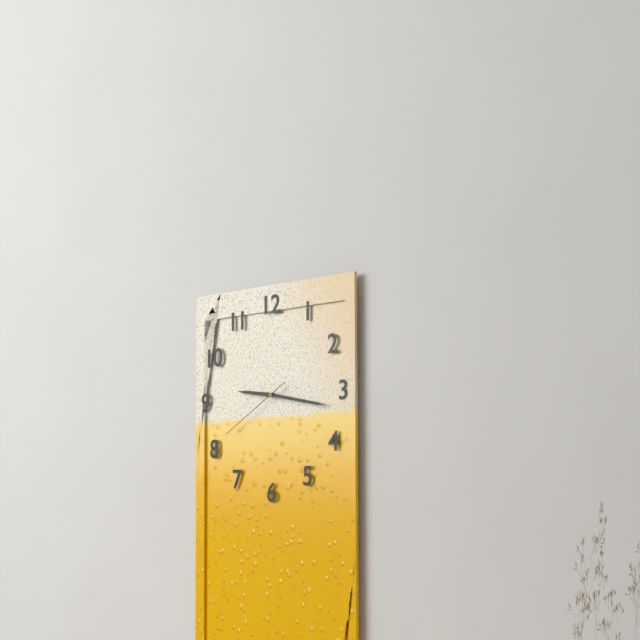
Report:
**9:17:40**
